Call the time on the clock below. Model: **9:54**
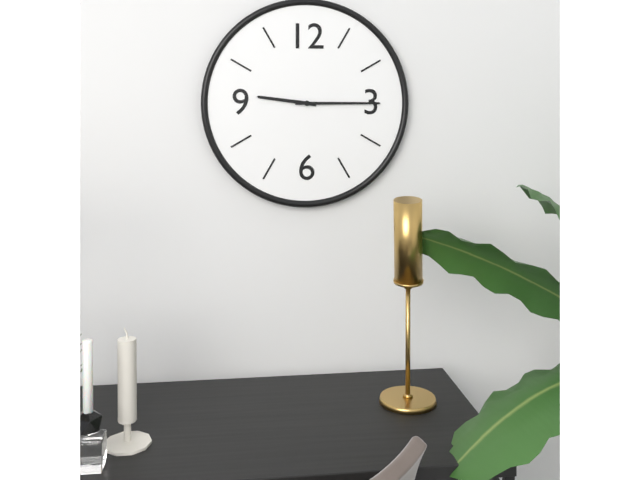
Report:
**9:15**
